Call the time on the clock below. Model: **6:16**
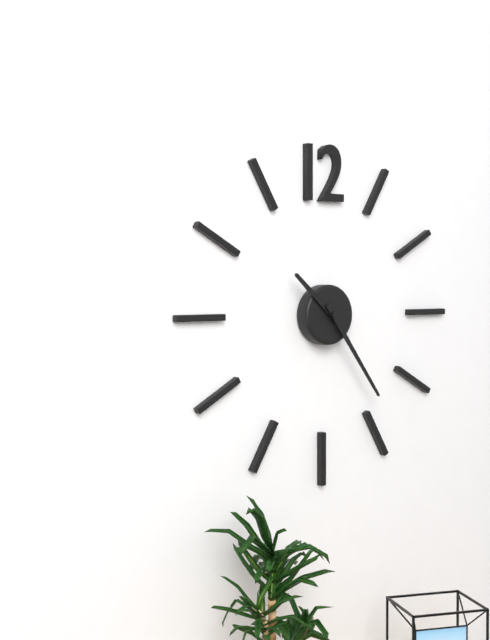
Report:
**10:24**
